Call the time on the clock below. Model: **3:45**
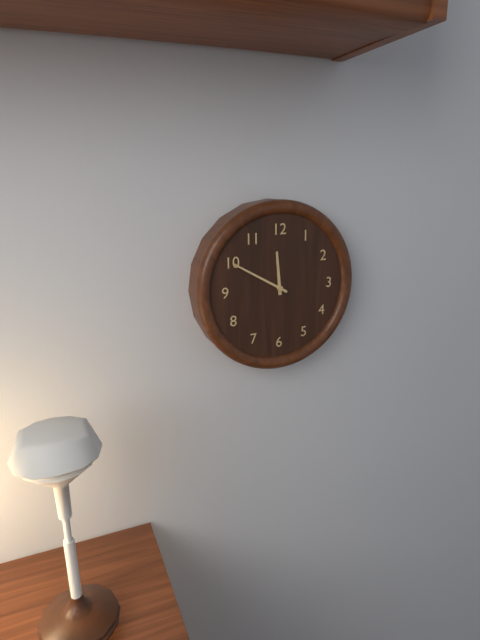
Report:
**11:50**
